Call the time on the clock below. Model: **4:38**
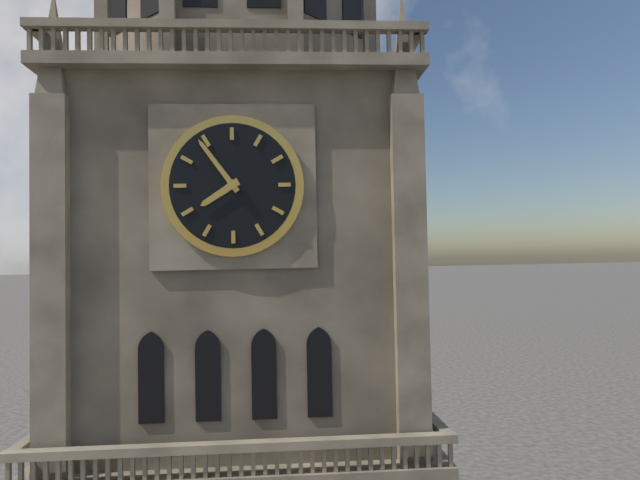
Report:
**7:54**
